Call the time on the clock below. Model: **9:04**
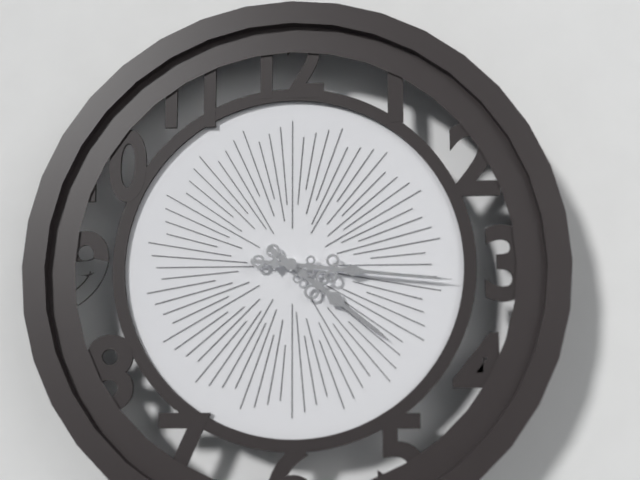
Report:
**4:16**
